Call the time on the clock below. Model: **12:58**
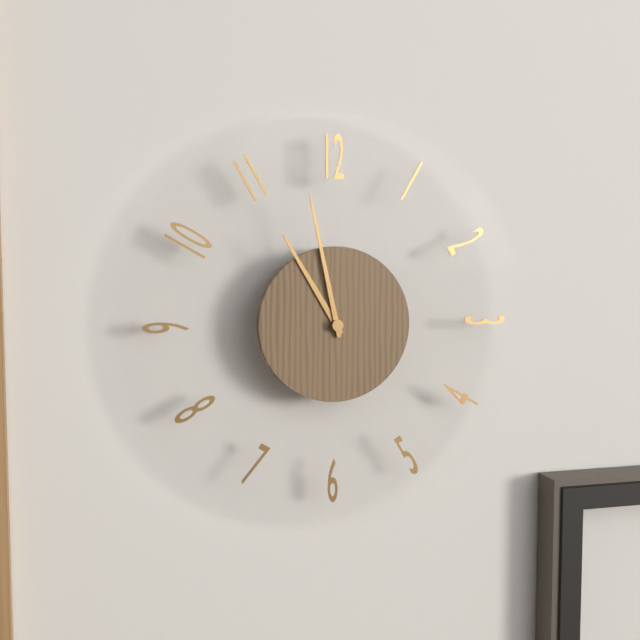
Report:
**10:58**
